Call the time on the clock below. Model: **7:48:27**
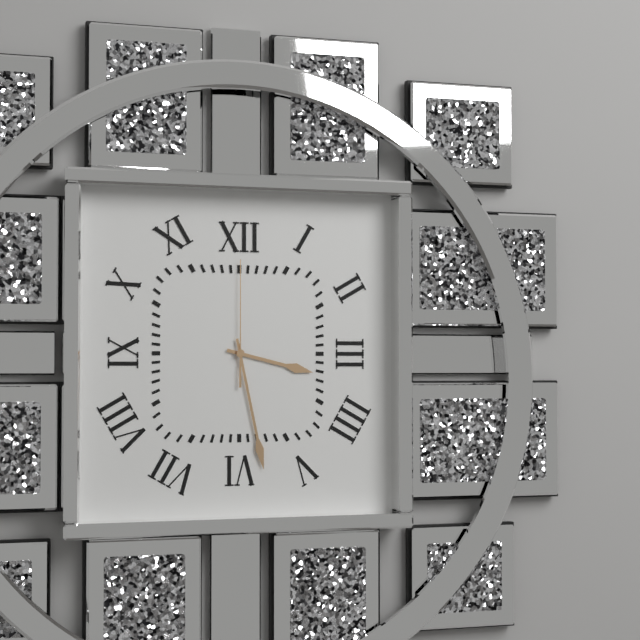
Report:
**3:28:00**
